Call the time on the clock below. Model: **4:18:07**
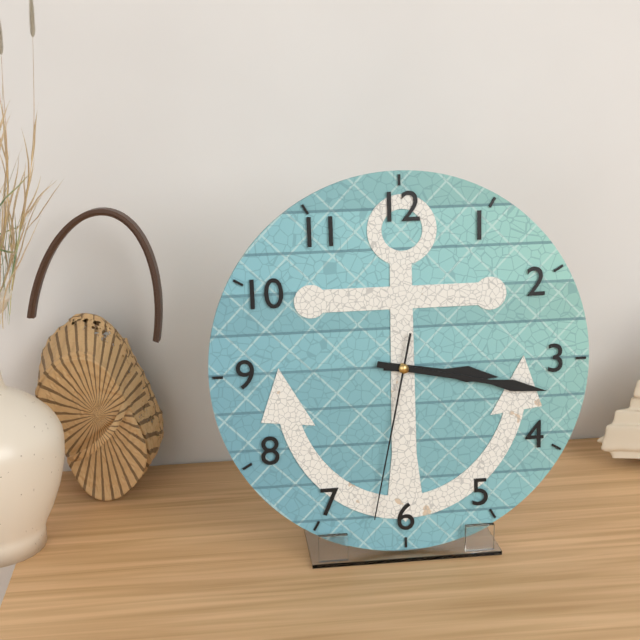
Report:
**3:17:32**
